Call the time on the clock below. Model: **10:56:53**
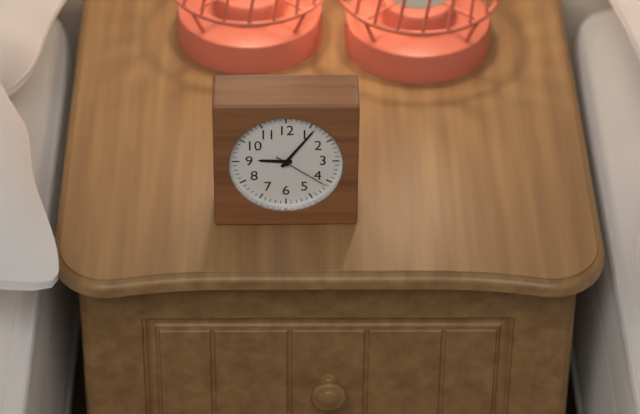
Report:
**9:06:21**
